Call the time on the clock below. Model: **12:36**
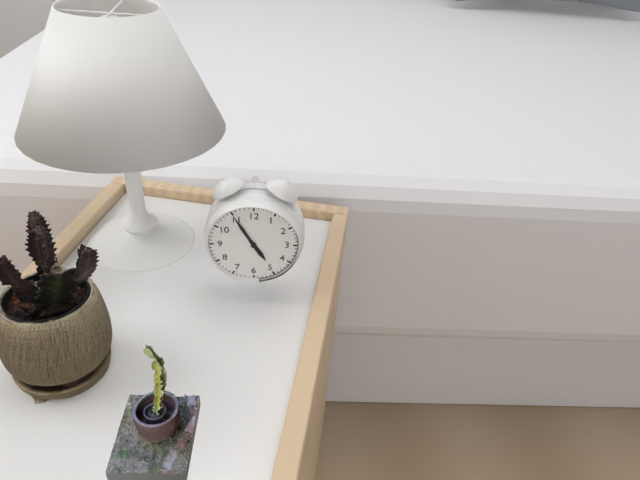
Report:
**4:55**
